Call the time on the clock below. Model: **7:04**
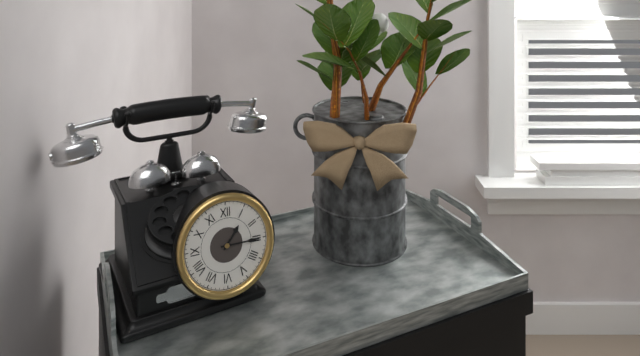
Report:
**1:15**
